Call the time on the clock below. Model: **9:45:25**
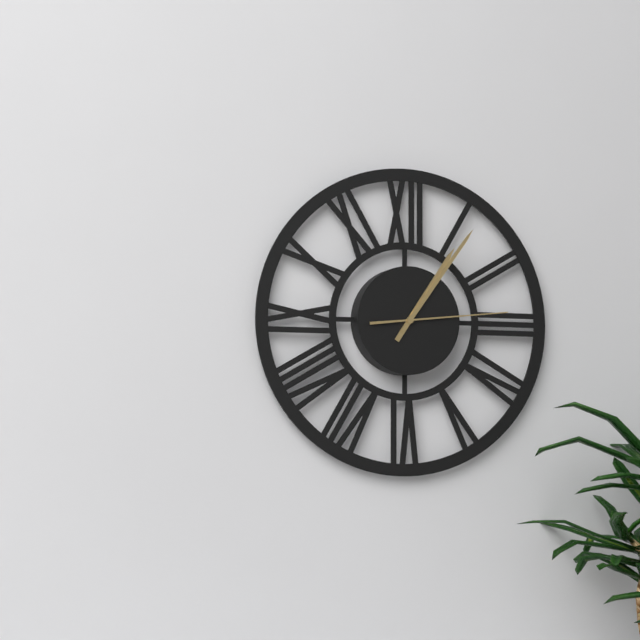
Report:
**1:06:14**
